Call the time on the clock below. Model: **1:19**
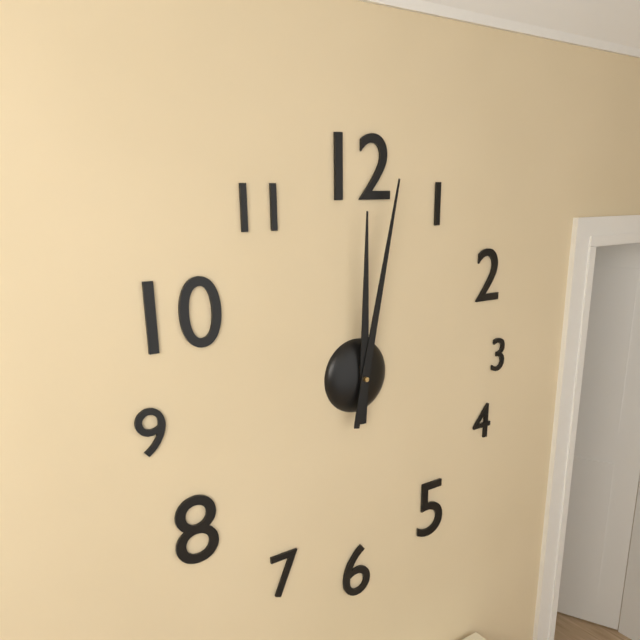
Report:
**12:02**
